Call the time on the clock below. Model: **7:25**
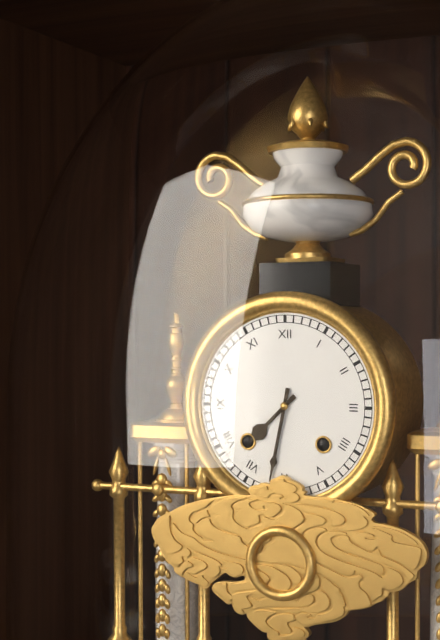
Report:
**7:32**
